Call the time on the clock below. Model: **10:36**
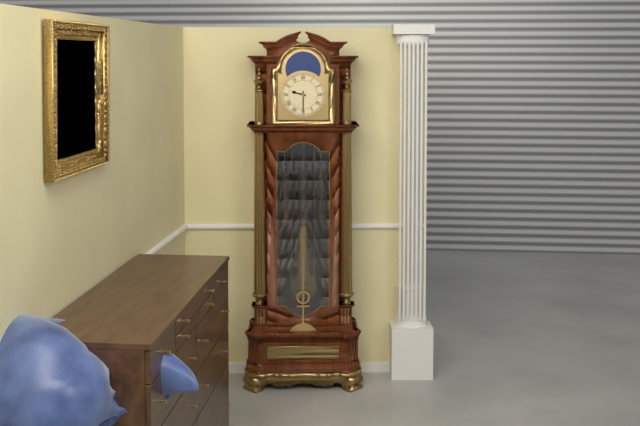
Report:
**9:30**
